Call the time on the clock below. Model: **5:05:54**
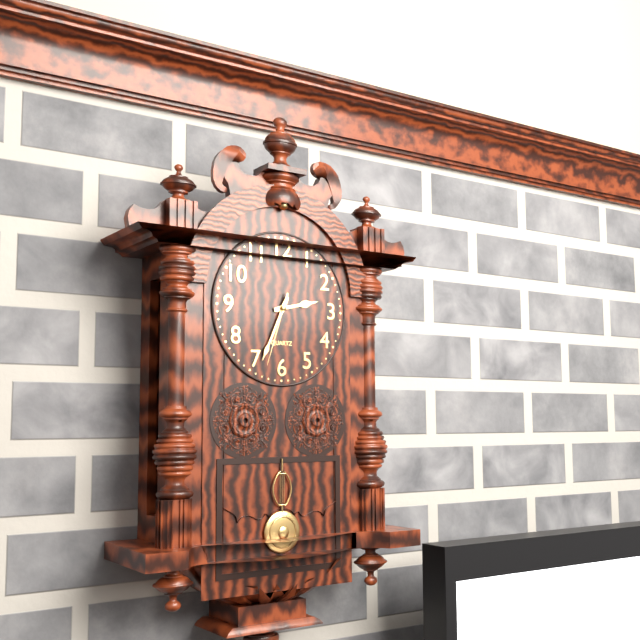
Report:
**2:34:33**
